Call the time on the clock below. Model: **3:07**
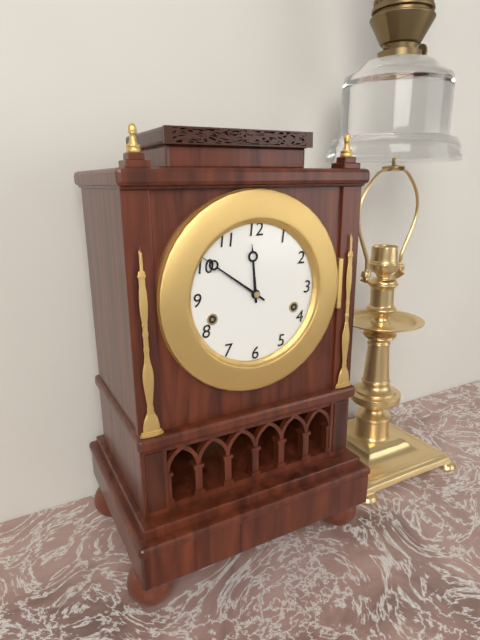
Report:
**11:51**
